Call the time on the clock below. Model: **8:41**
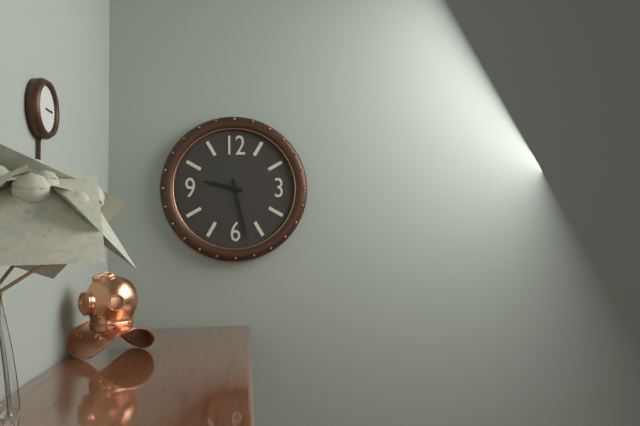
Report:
**9:28**
